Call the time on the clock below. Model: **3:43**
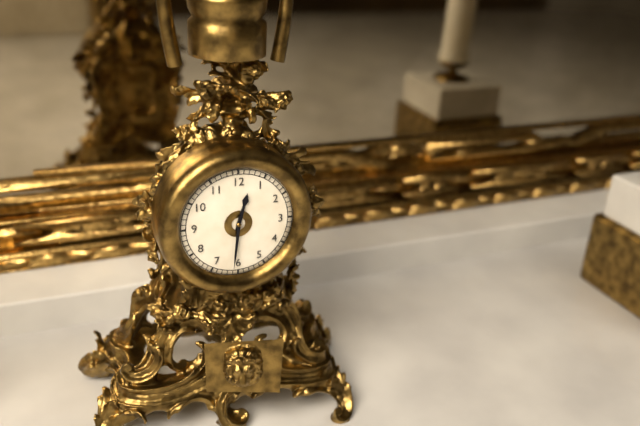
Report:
**12:31**
